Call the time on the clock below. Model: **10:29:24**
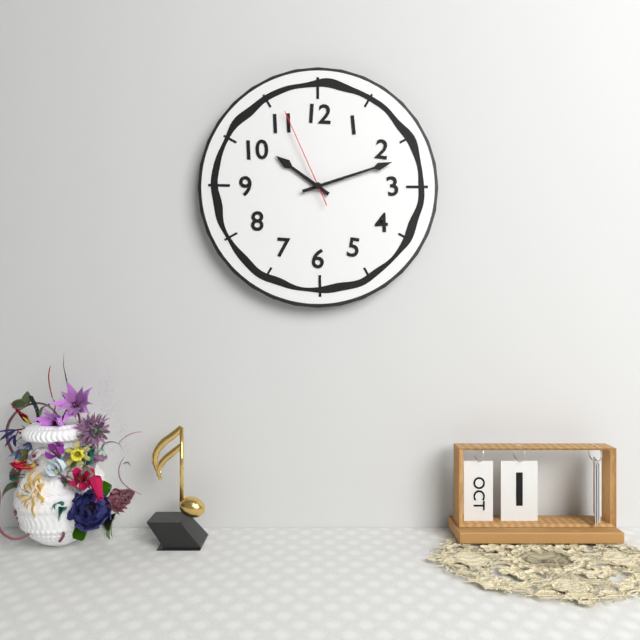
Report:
**10:12:56**
